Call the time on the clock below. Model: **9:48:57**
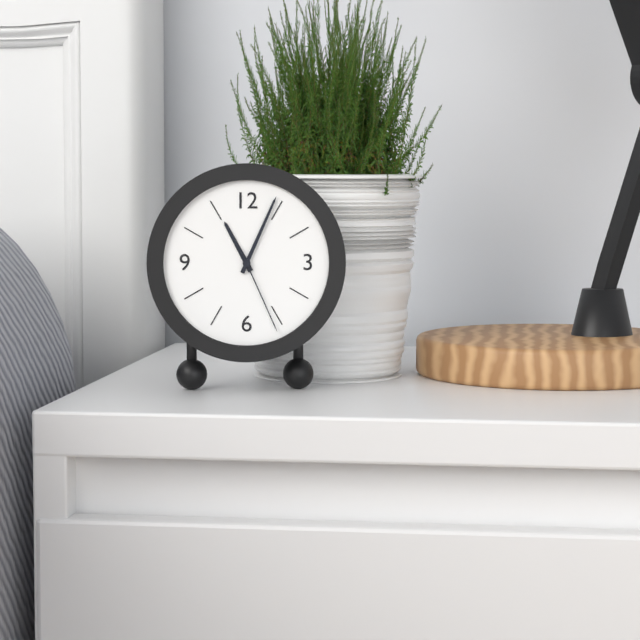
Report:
**11:04:26**
